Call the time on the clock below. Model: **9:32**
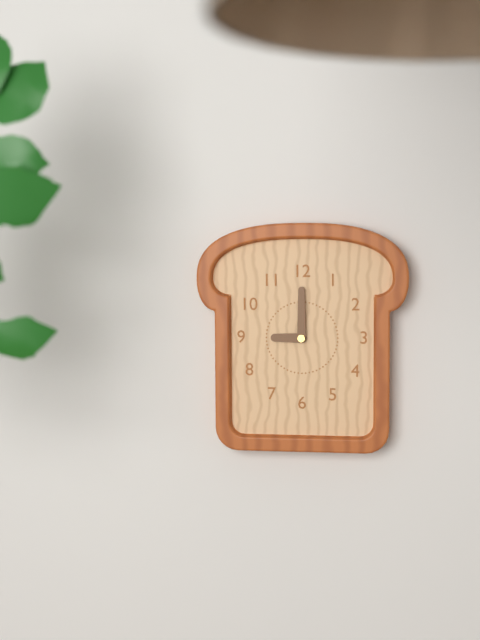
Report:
**9:00**
